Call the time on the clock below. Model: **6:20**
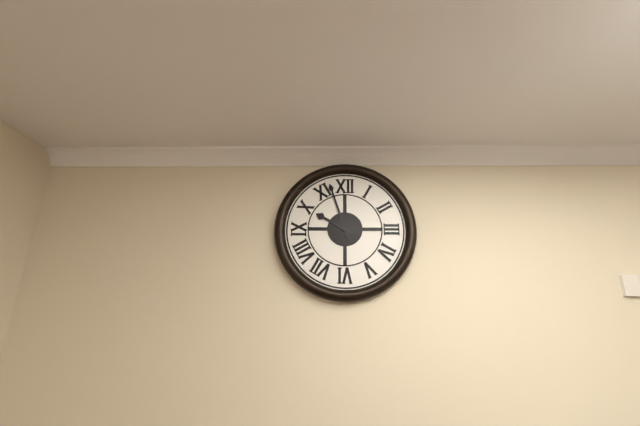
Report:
**9:57**
